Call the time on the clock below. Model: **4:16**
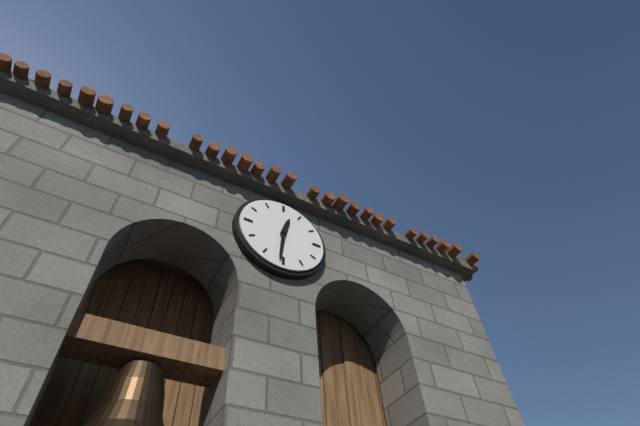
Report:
**12:31**
